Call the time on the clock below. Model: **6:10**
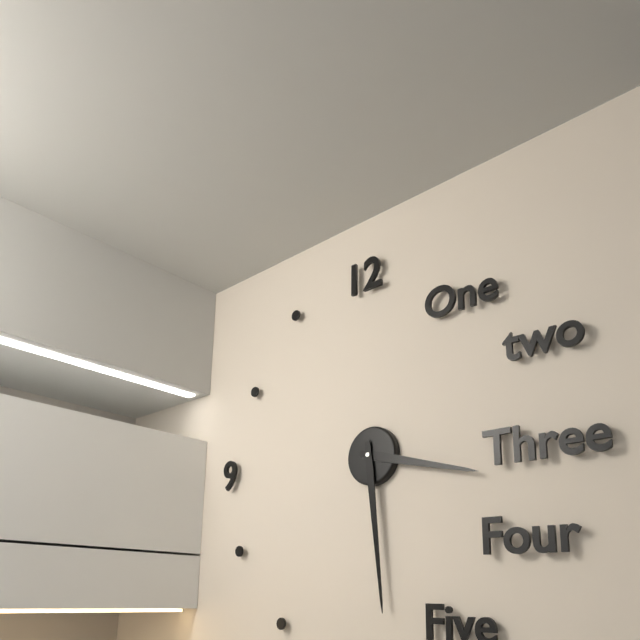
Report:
**3:29**
